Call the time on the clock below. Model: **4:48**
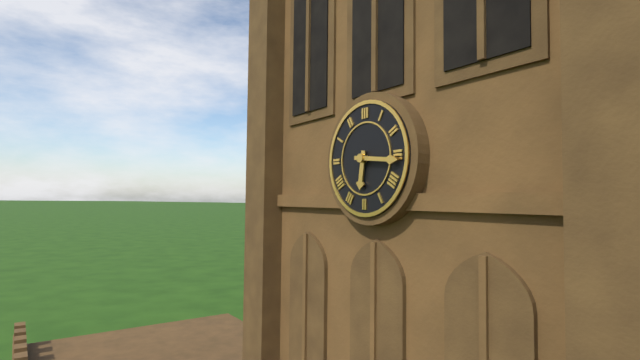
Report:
**6:16**
